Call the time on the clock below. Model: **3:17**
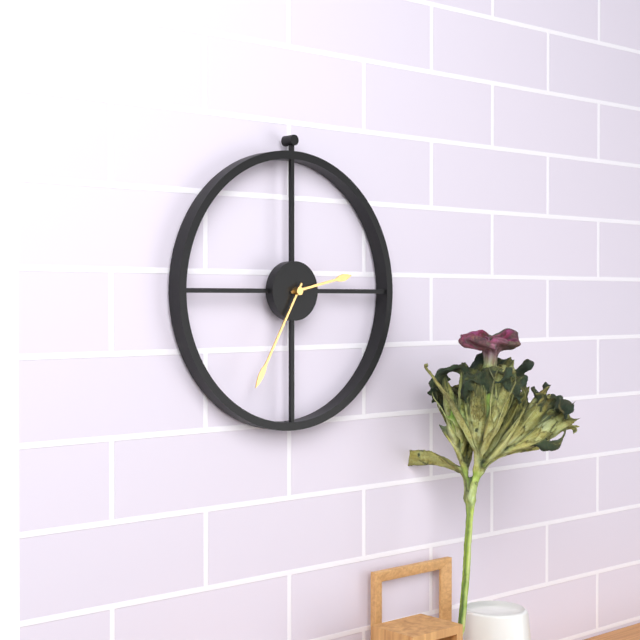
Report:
**2:35**
